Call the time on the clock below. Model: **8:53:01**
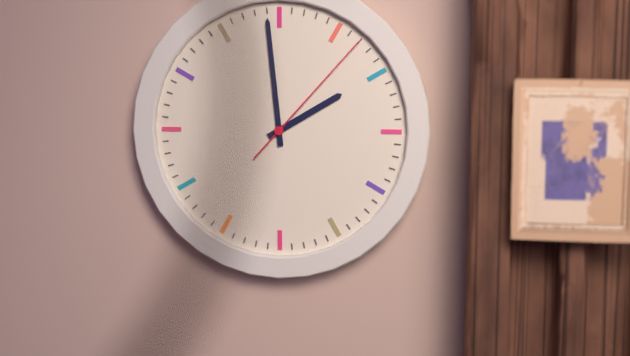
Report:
**1:59:07**
